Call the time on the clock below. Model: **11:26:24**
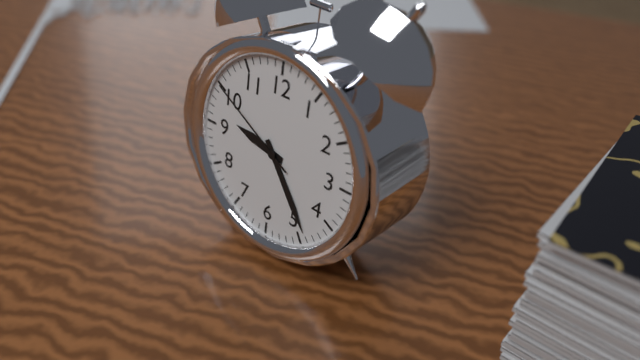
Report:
**9:24:50**
